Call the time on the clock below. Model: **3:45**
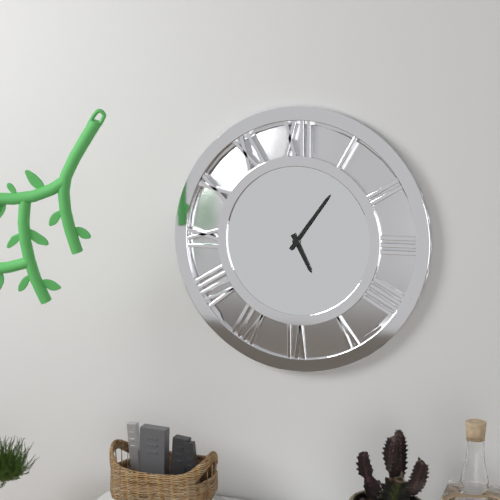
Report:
**5:06**
